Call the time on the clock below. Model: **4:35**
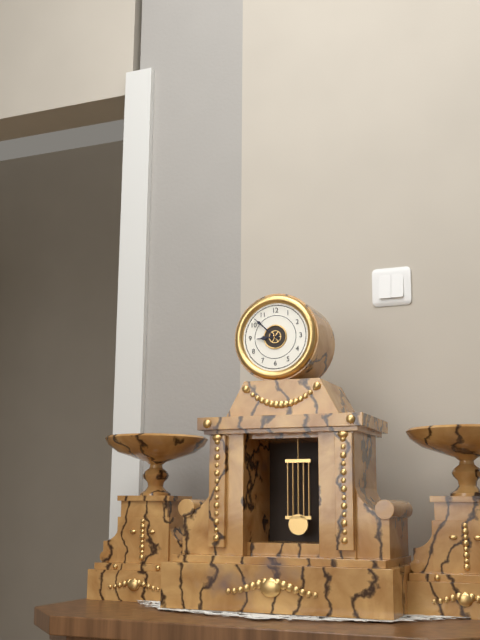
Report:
**8:52**
